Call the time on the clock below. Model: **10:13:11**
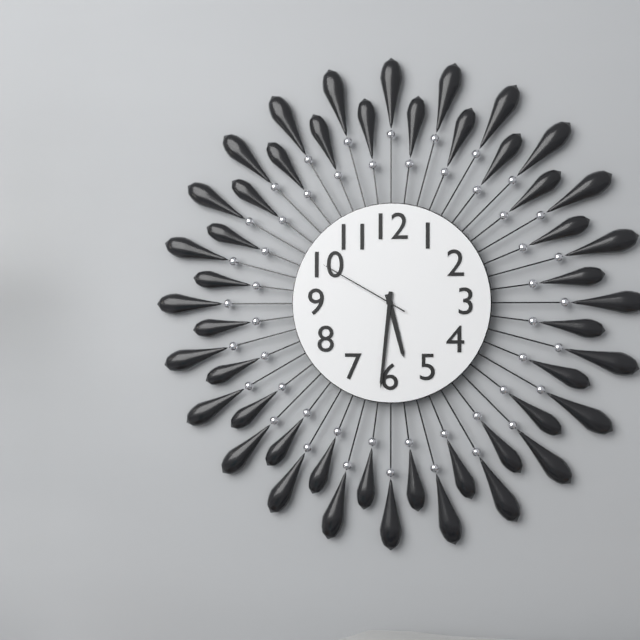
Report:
**5:31:50**
